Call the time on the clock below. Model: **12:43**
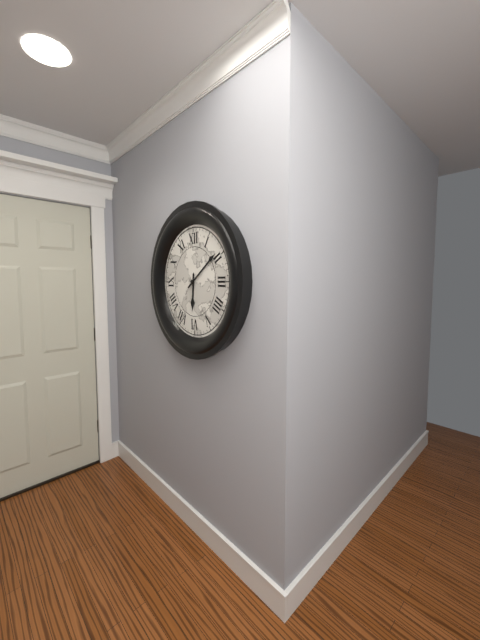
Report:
**6:09**
